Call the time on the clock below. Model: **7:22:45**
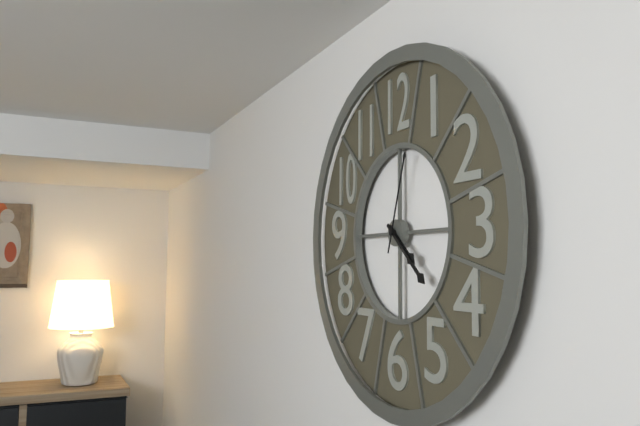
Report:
**4:22:03**
